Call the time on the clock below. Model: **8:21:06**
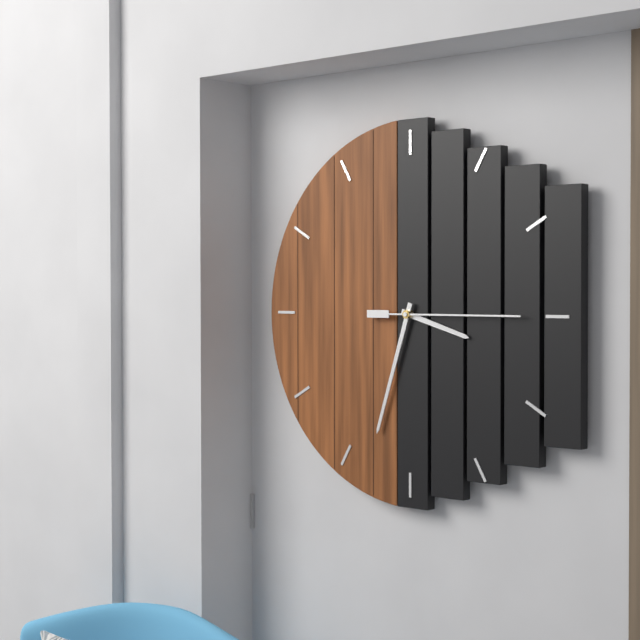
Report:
**3:33:15**
